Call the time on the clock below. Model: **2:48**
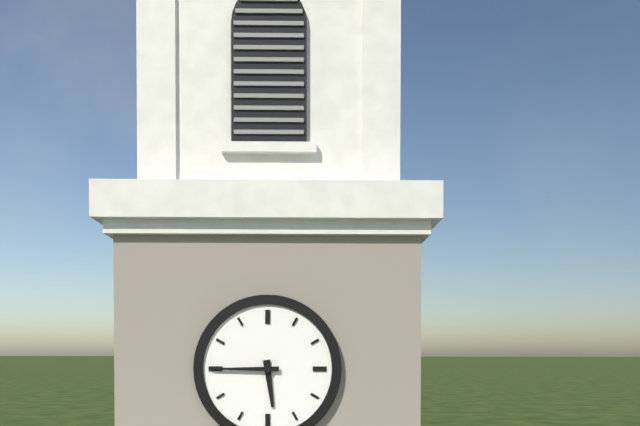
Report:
**5:45**
